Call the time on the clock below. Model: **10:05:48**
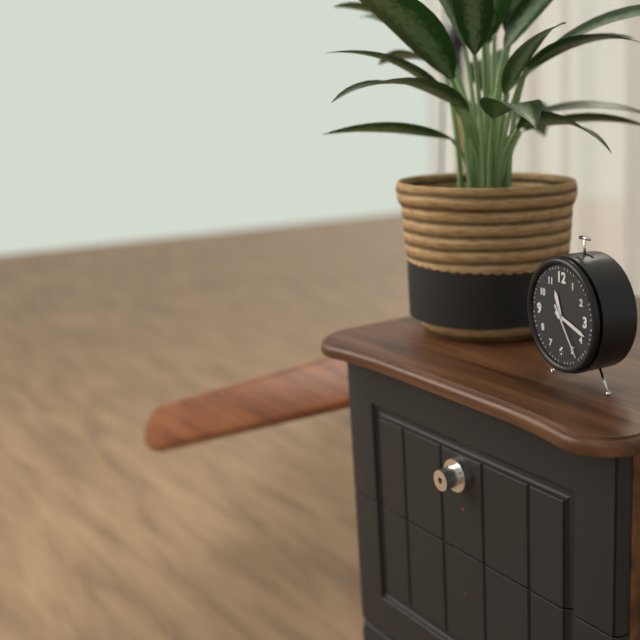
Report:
**11:18:24**
